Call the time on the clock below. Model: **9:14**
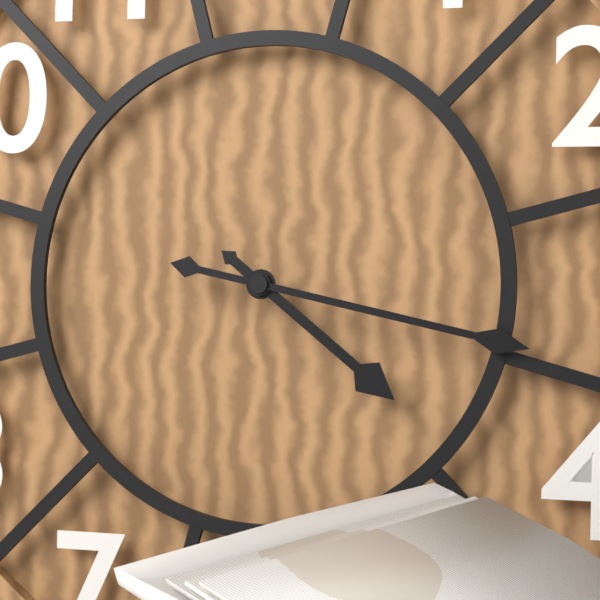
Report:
**4:17**
